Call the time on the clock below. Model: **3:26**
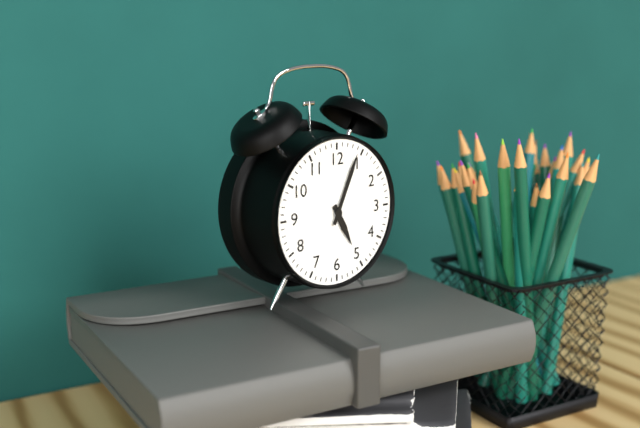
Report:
**5:04**
